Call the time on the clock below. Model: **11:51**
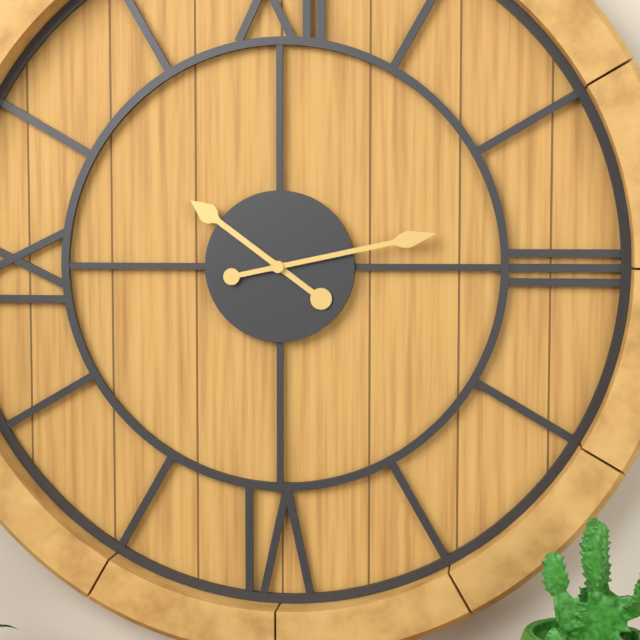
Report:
**10:13**
